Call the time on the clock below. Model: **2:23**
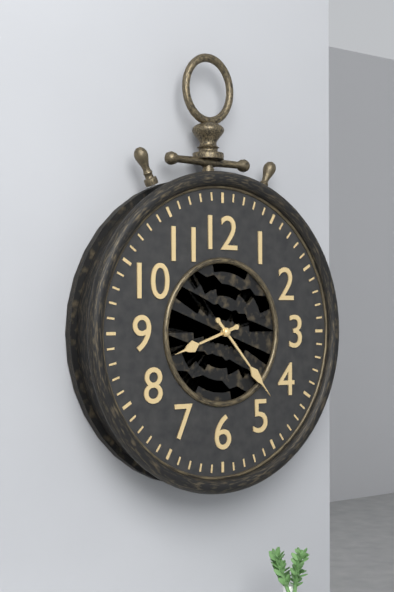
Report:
**8:23**
